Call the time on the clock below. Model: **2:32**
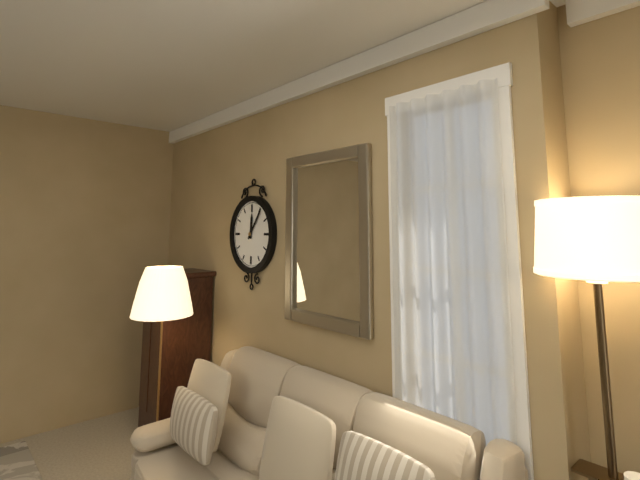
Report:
**12:06**
